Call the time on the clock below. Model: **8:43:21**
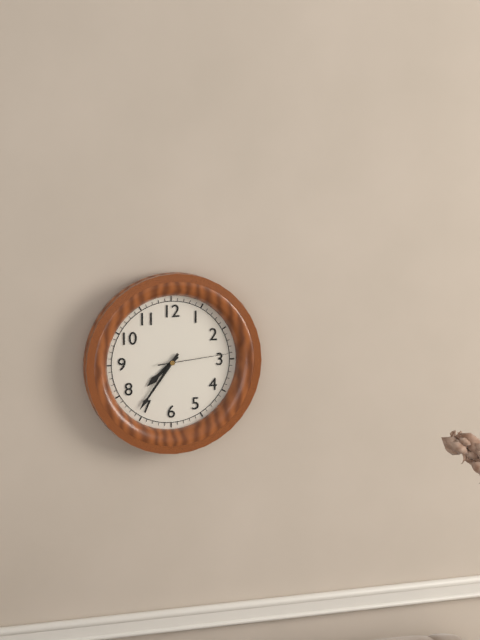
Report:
**7:36:14**
